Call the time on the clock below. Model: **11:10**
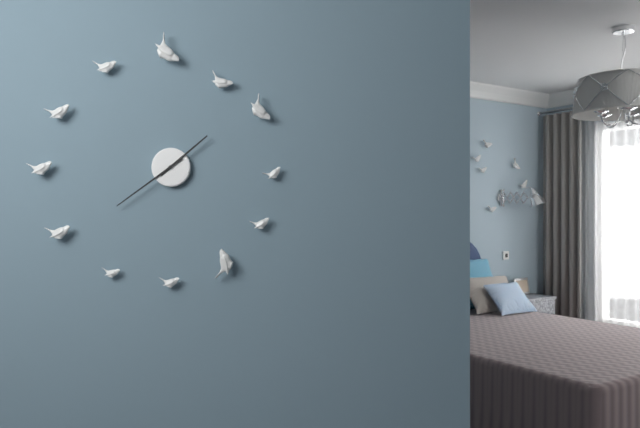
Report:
**1:39**
